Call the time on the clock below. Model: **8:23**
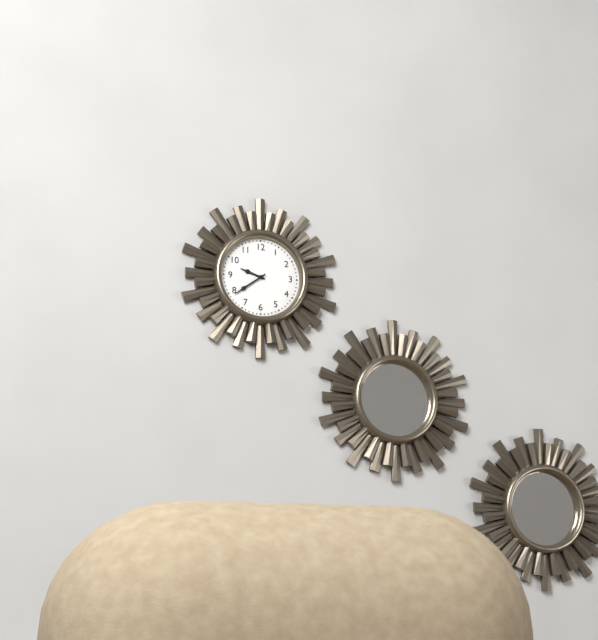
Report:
**9:39**
